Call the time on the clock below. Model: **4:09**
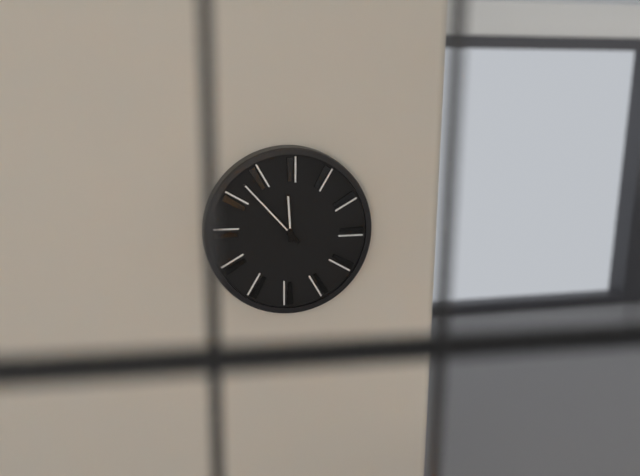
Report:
**11:53**
